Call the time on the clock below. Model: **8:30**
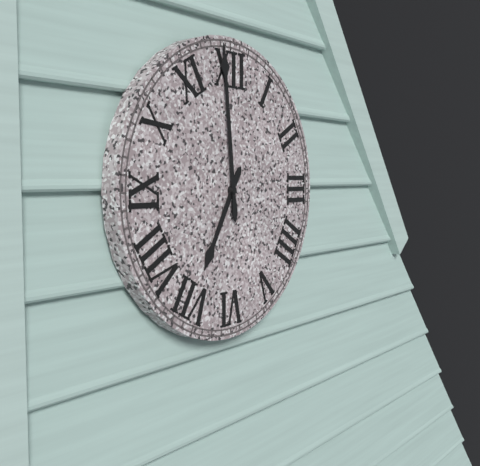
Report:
**6:59**
